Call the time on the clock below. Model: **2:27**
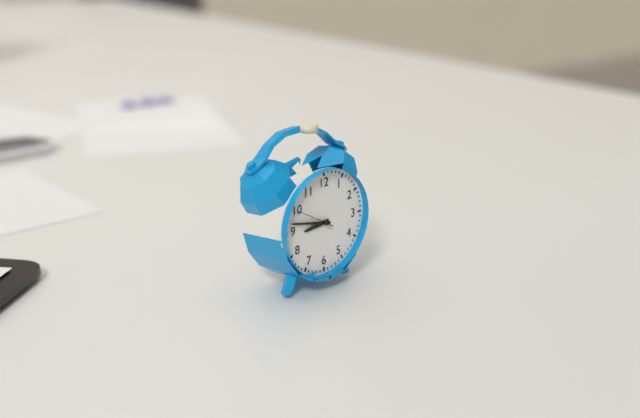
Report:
**8:47**
